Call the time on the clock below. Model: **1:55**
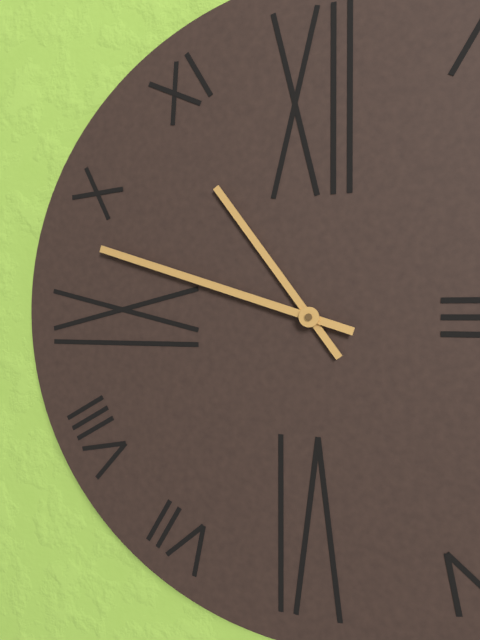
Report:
**10:48**
